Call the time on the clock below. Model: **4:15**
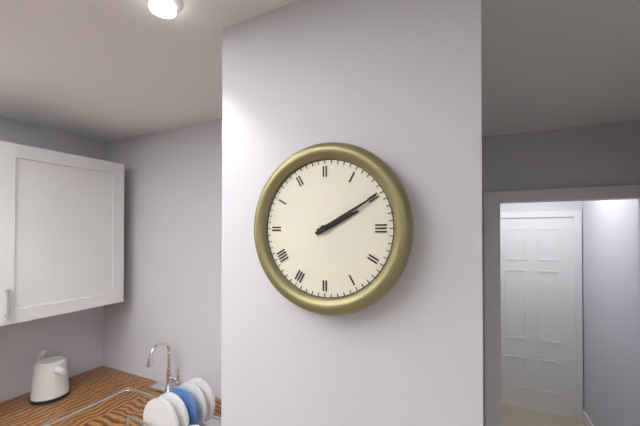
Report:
**2:10**
